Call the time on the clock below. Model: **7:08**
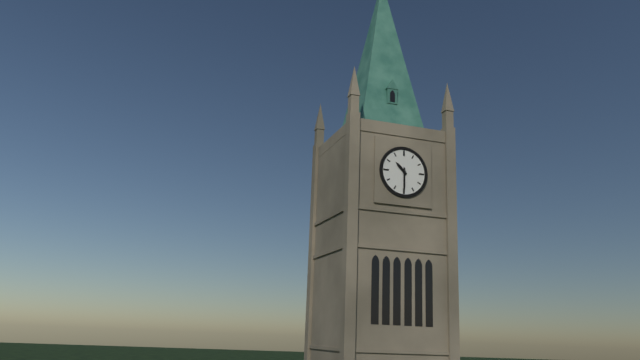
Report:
**10:30**
